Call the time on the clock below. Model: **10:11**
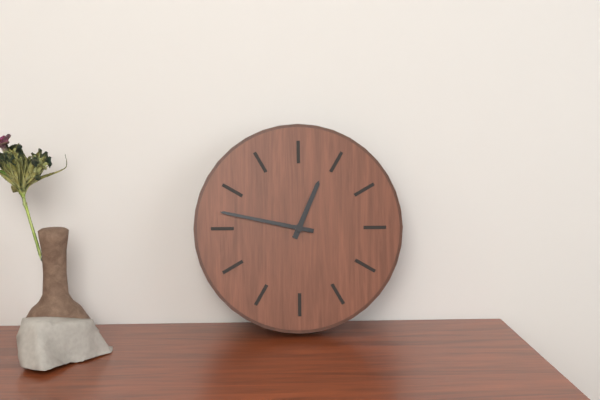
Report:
**12:47**
